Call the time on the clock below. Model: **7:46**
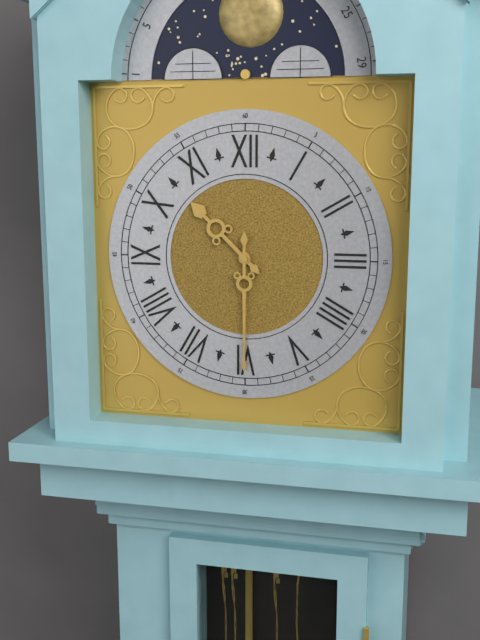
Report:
**10:30**
